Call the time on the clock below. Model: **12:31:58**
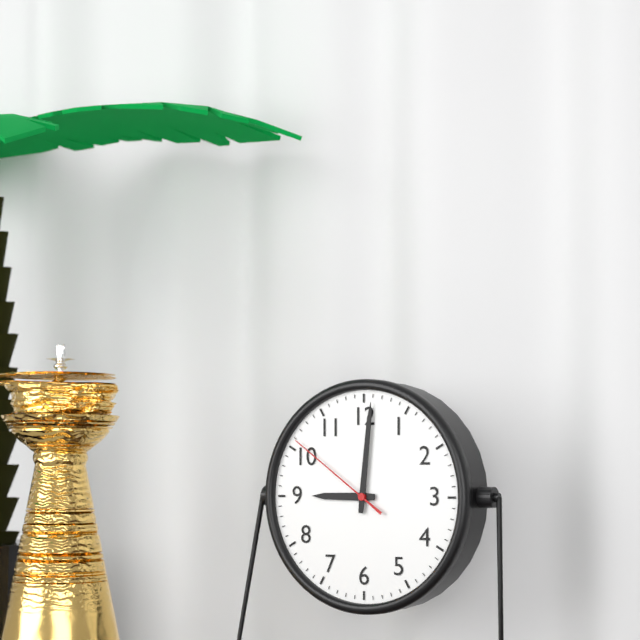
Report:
**9:01:51**
